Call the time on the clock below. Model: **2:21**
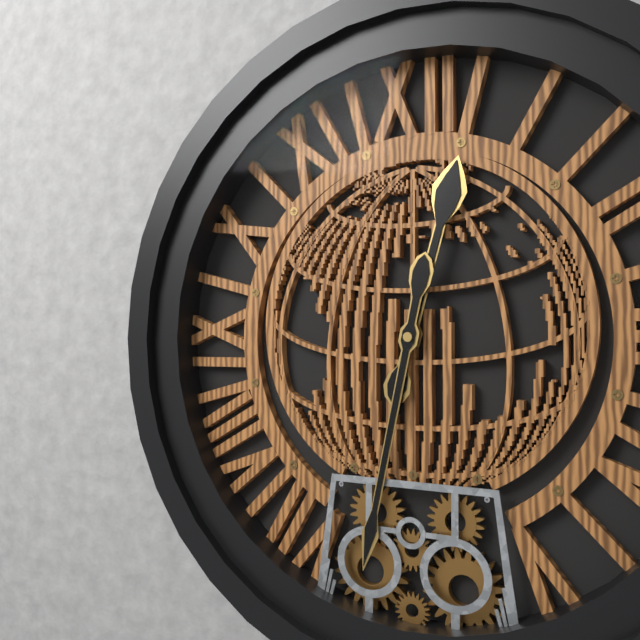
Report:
**12:32**
